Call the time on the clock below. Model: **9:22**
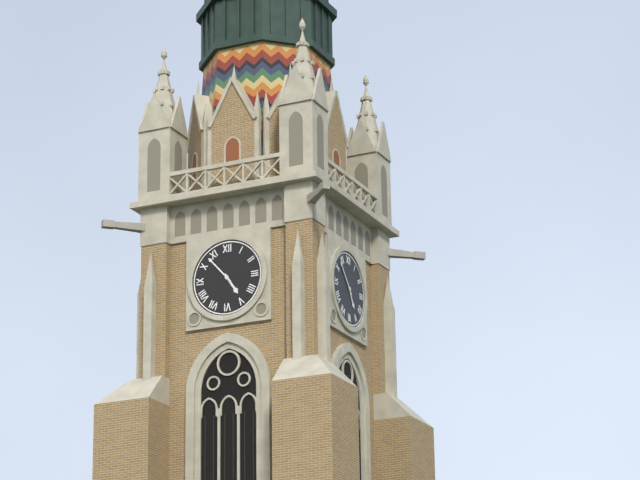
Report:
**4:53**
